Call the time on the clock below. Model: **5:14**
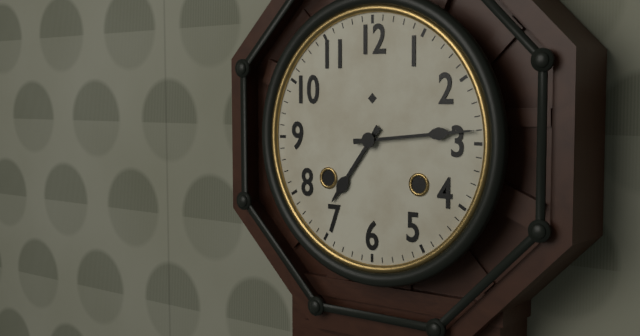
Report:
**7:14**
